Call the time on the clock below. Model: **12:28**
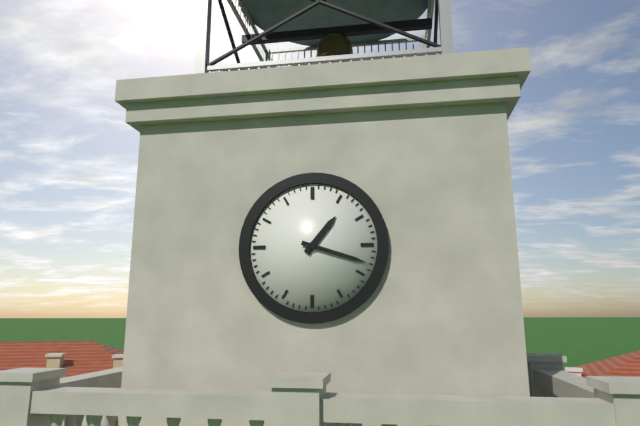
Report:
**1:18**
